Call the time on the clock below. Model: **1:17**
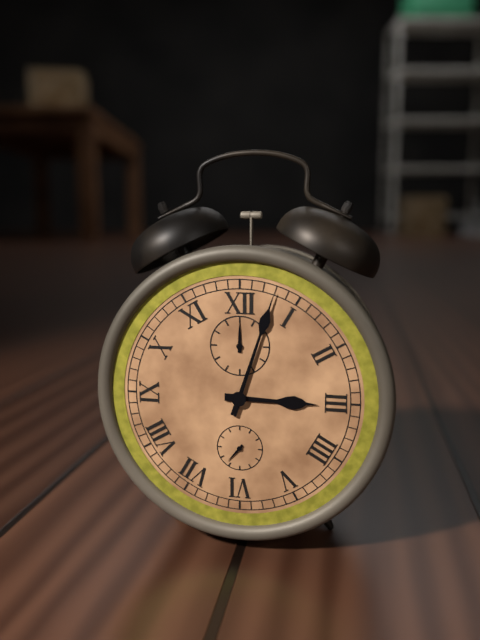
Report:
**3:03**
